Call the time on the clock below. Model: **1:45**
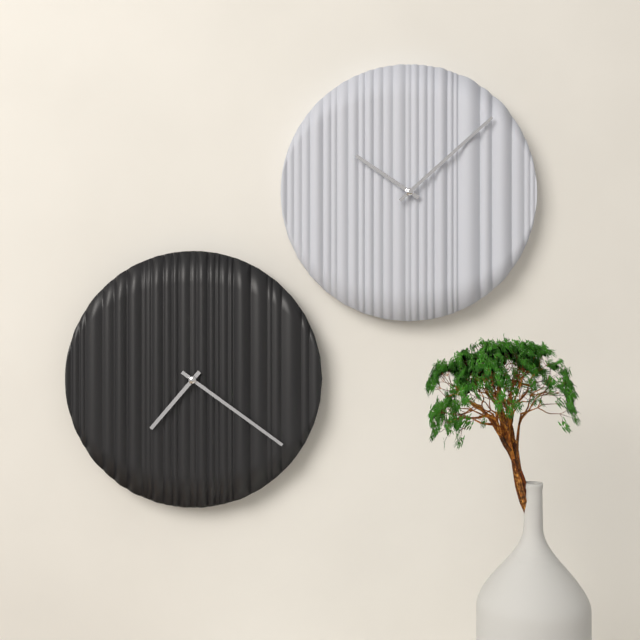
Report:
**7:21**
